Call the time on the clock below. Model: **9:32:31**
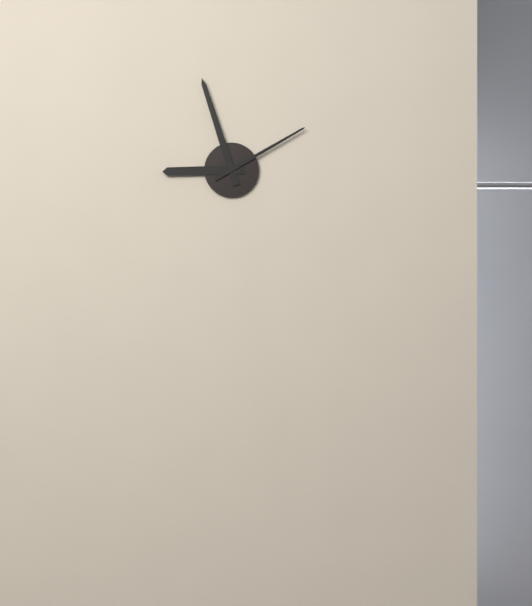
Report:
**8:57:10**
